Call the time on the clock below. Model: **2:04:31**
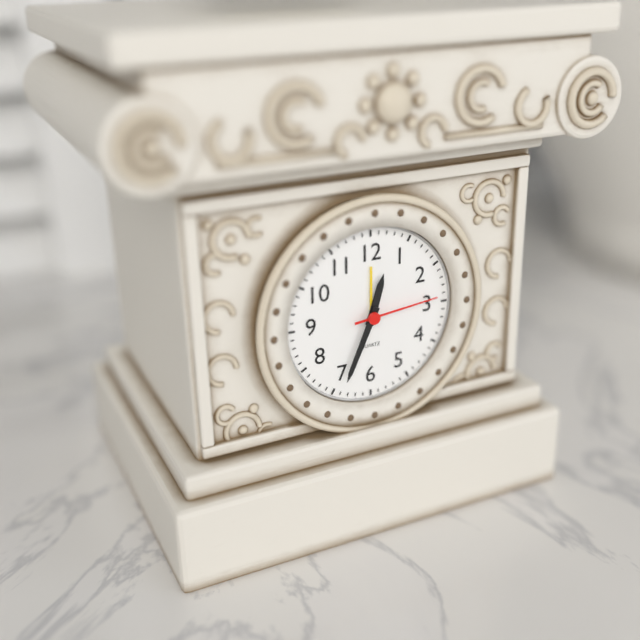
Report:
**12:34:14**
